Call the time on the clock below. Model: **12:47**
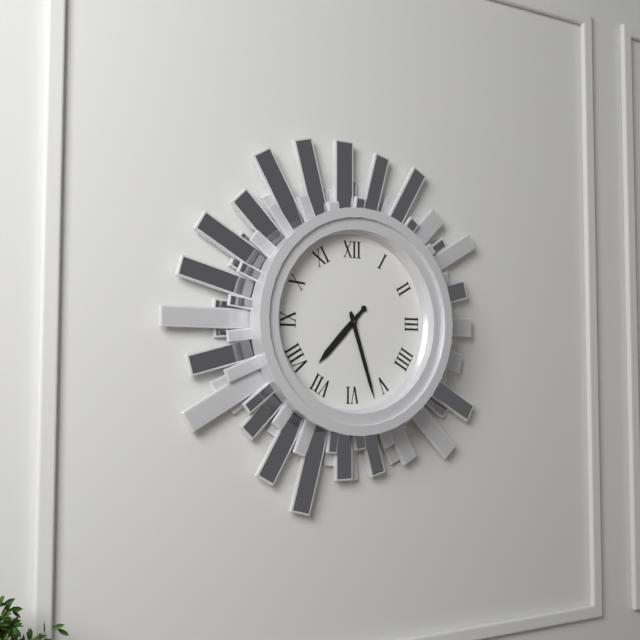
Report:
**7:27**
